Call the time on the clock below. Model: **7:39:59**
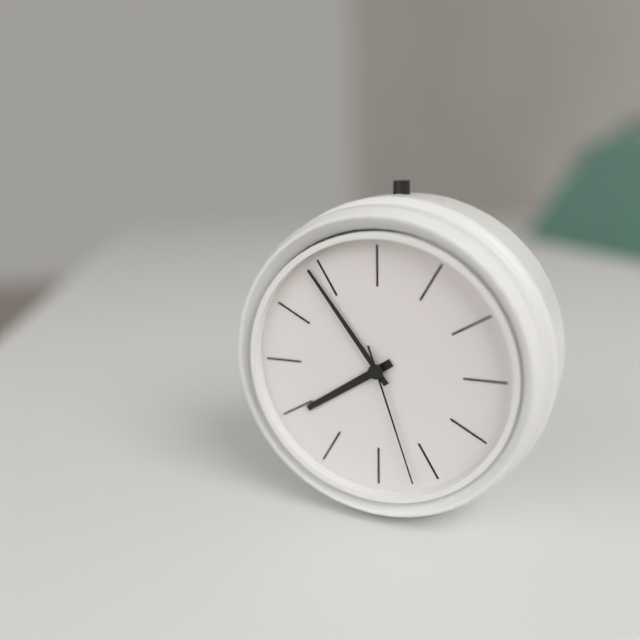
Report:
**7:54:27**
